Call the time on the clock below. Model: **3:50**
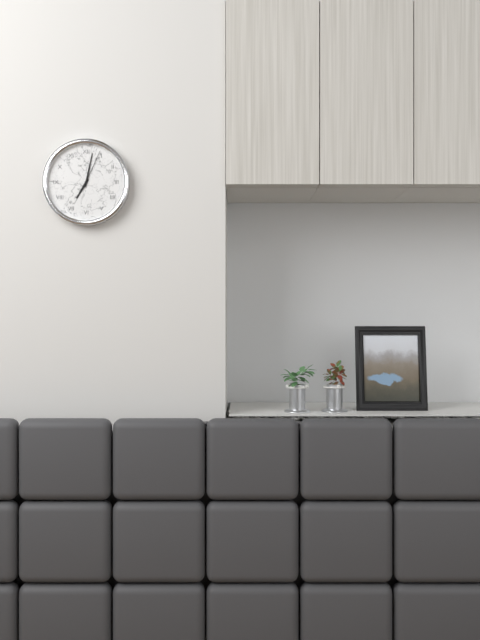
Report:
**7:02**
